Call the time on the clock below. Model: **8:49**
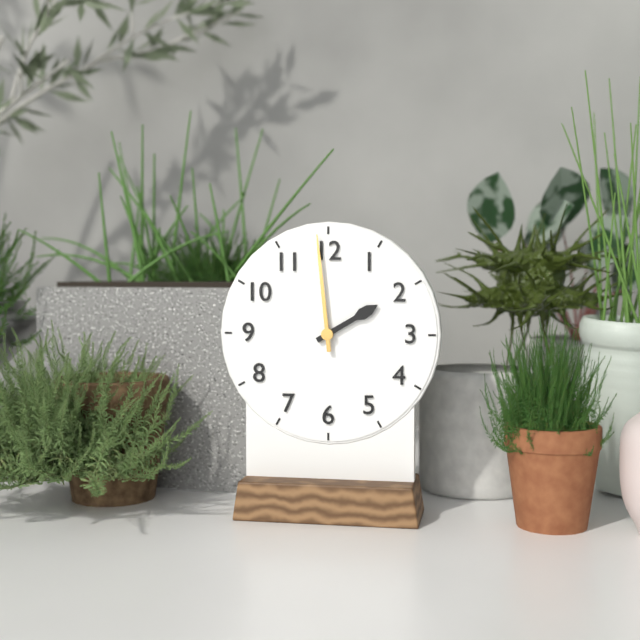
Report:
**1:59**
